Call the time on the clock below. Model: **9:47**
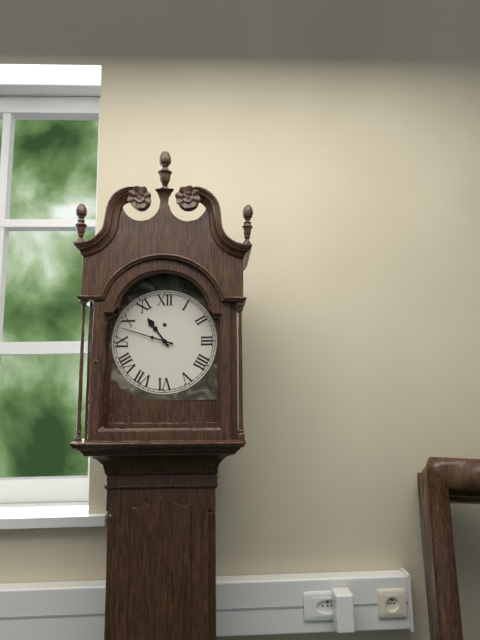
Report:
**10:48**
